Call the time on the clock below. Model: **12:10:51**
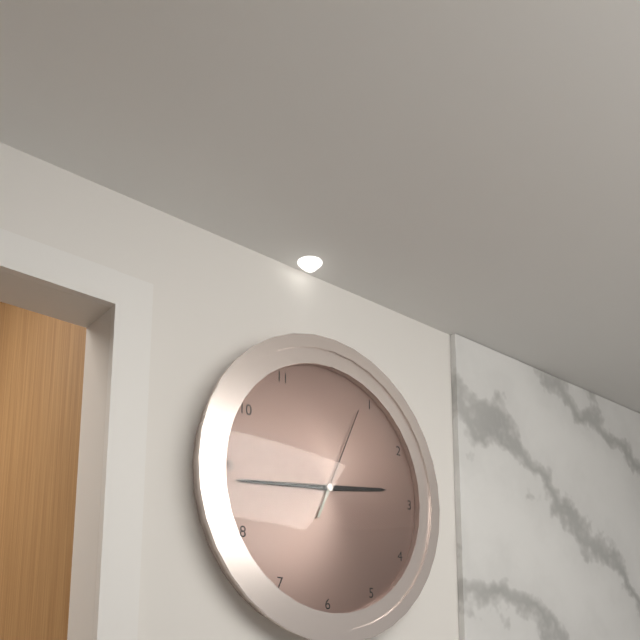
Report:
**2:44:04**
